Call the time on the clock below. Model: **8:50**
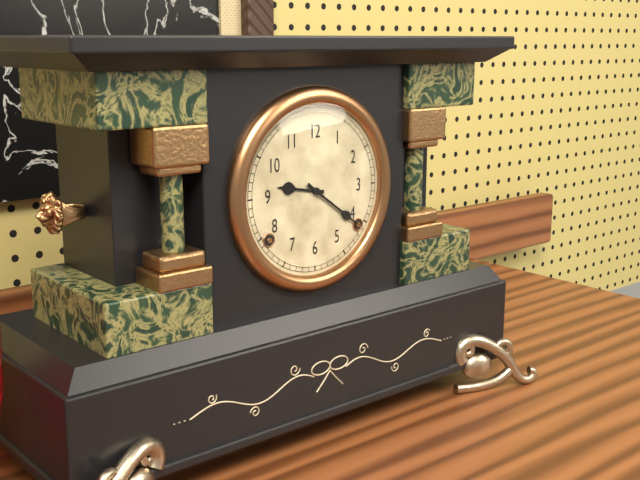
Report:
**9:21**
